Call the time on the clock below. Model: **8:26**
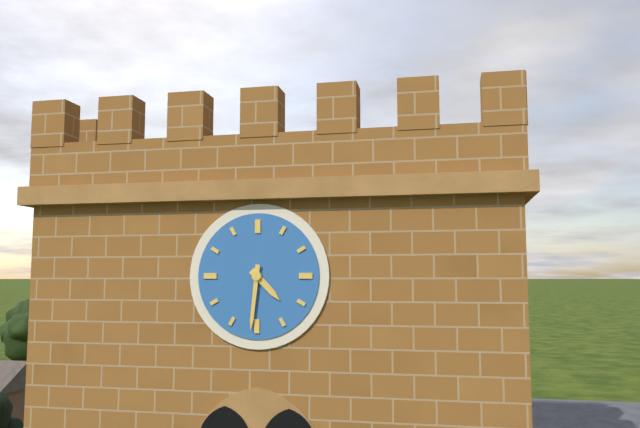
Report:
**4:31**
